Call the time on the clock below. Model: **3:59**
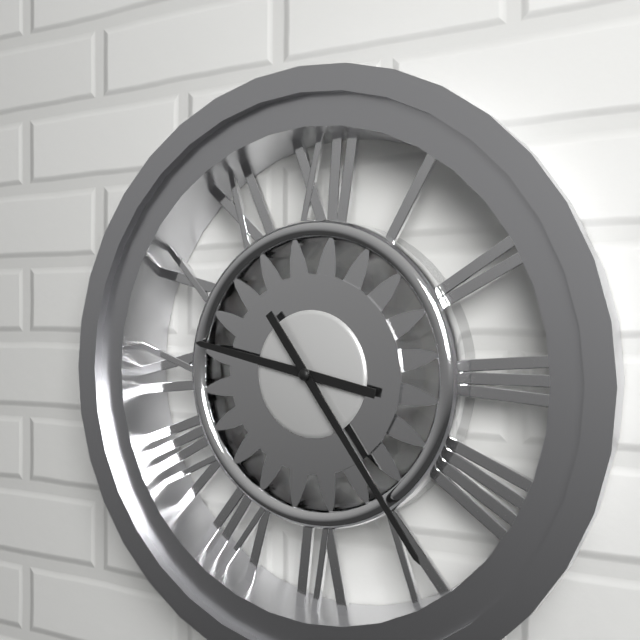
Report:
**9:24**
